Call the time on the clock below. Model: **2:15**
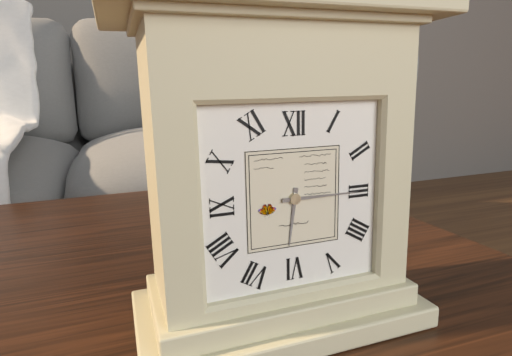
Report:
**6:15**
